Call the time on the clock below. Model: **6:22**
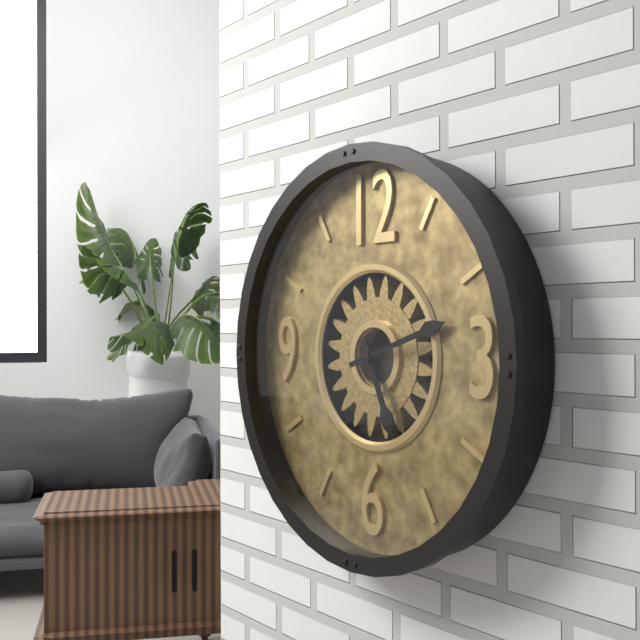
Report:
**5:12**
